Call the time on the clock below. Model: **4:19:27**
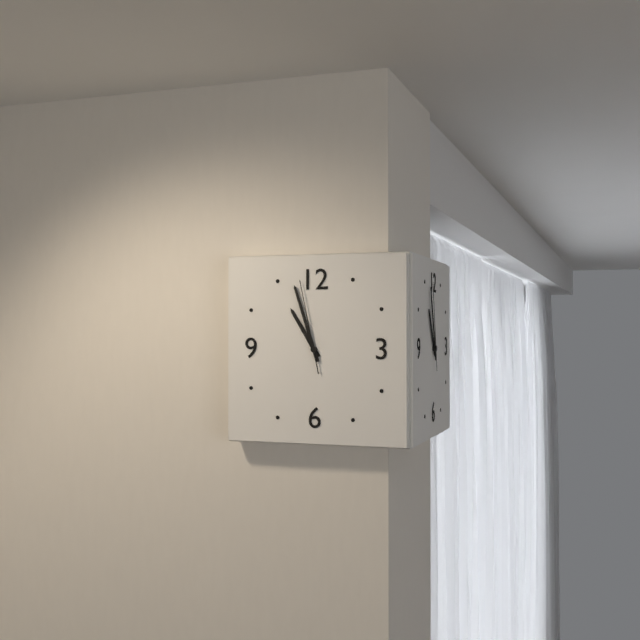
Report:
**10:57:58**
